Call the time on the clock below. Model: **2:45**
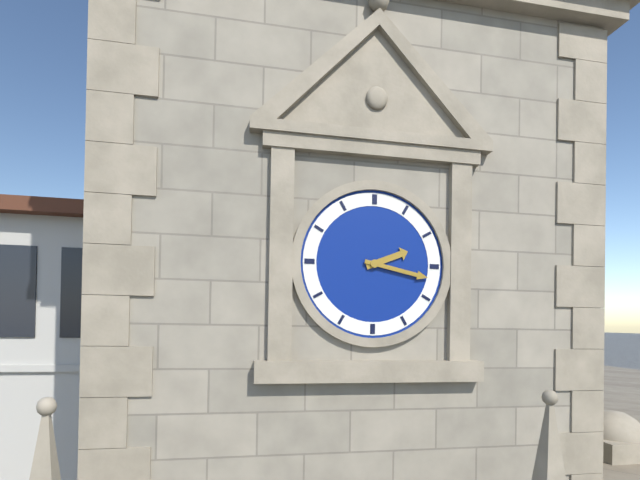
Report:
**2:17**
